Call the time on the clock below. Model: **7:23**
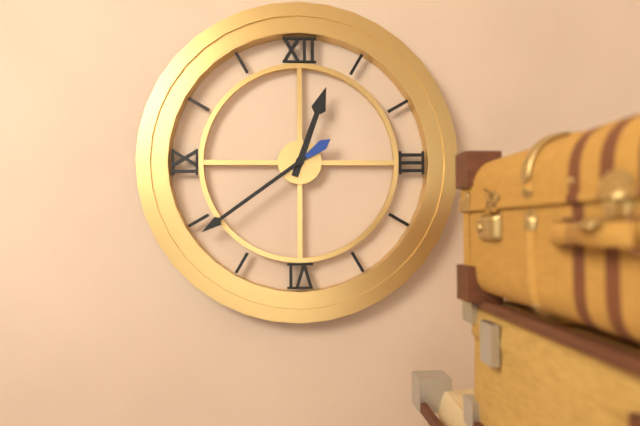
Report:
**12:39**
